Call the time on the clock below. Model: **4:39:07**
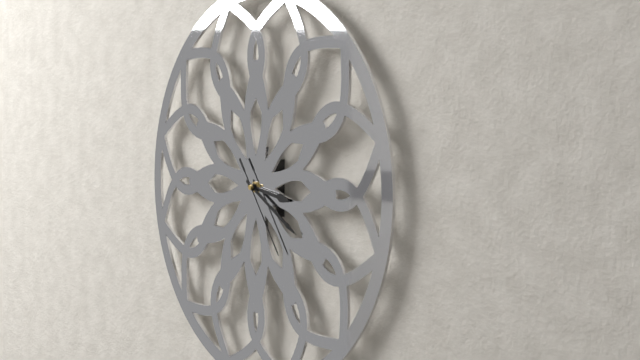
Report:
**3:20:24**
